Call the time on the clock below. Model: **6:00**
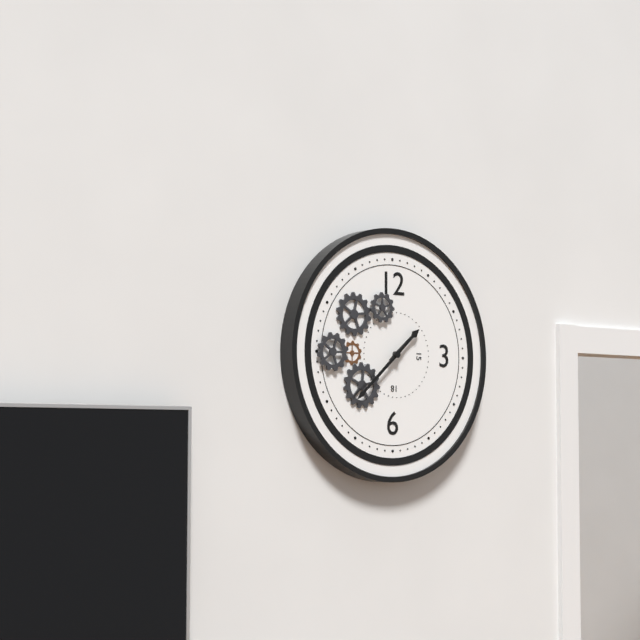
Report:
**1:38**
